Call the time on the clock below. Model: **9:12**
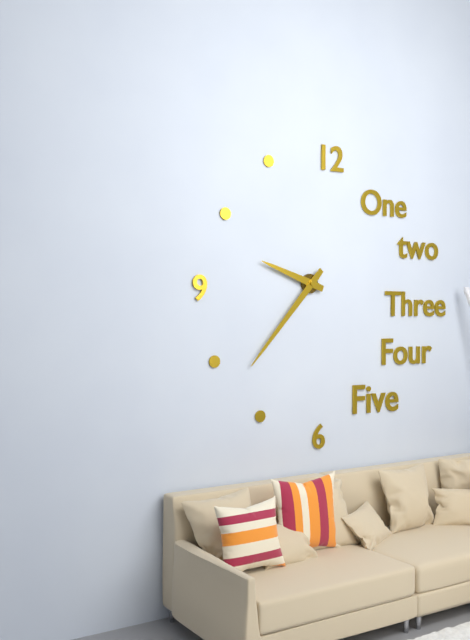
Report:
**9:37**
